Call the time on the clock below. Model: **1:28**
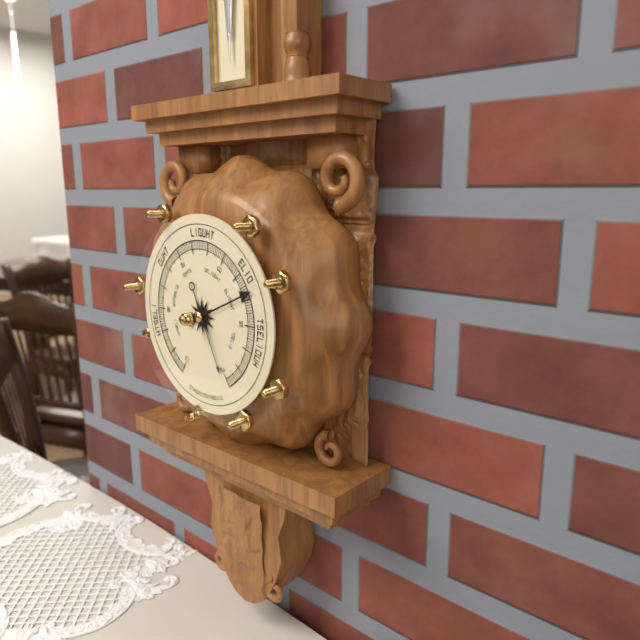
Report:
**5:11**
